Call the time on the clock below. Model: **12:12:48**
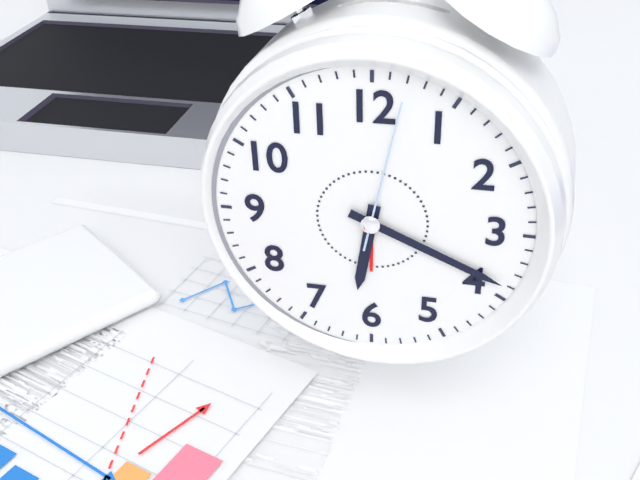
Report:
**6:19:02**
